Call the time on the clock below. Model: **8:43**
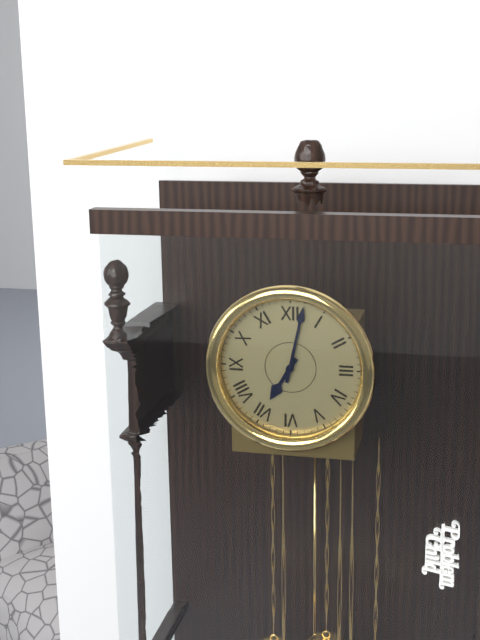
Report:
**7:02**
